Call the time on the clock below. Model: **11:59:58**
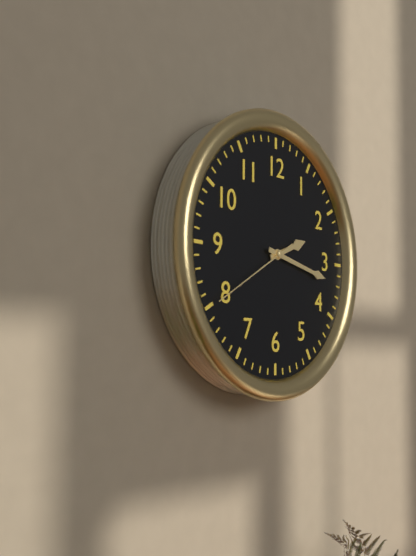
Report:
**2:17:40**
